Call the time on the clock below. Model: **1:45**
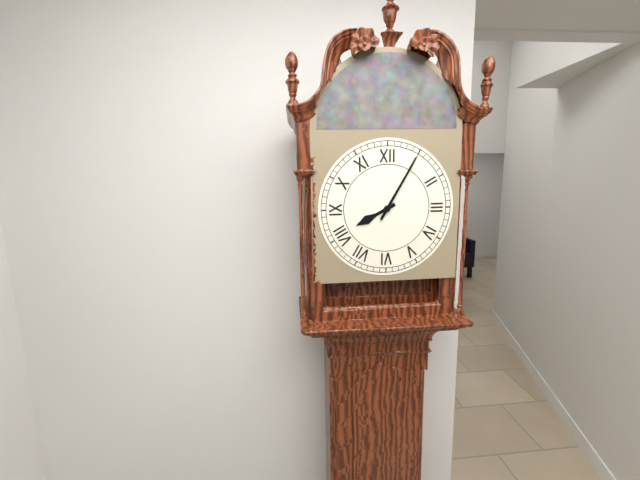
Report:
**8:05**
